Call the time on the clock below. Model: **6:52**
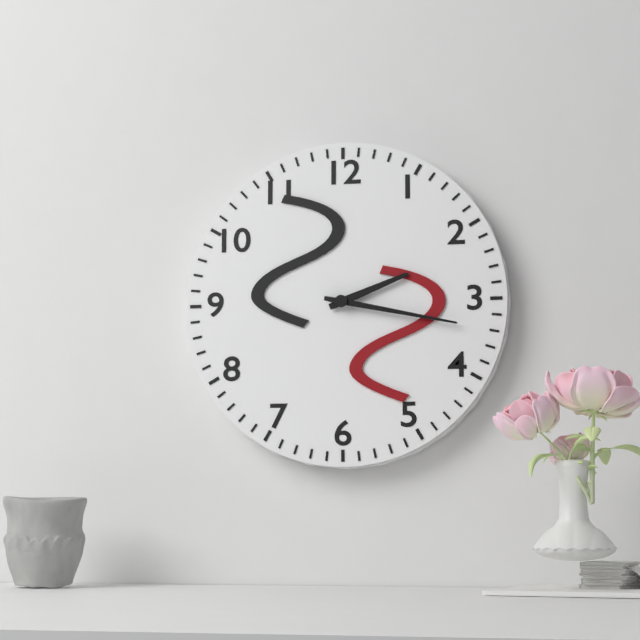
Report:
**2:17**
